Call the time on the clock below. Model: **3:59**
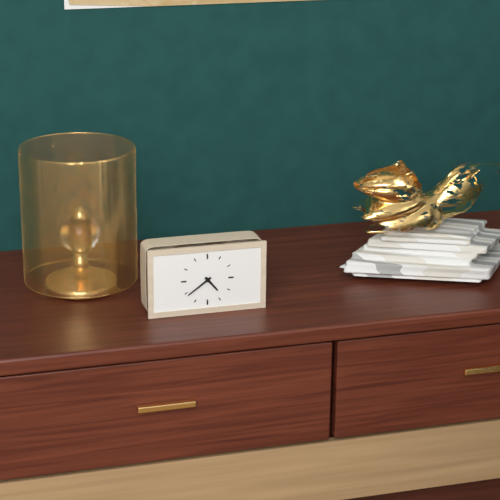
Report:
**4:39**
